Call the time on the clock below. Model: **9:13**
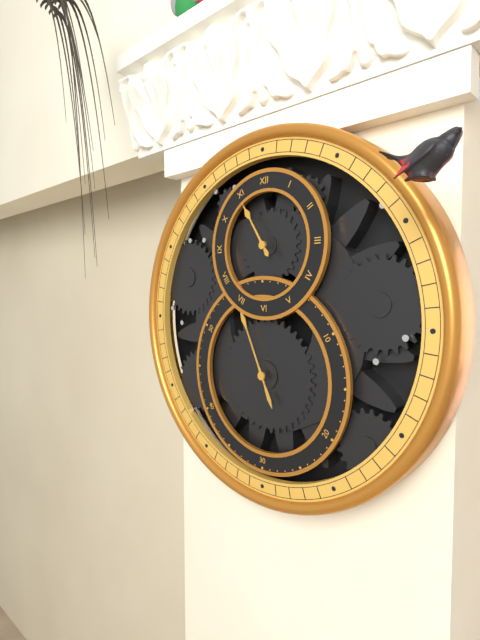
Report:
**10:56**
